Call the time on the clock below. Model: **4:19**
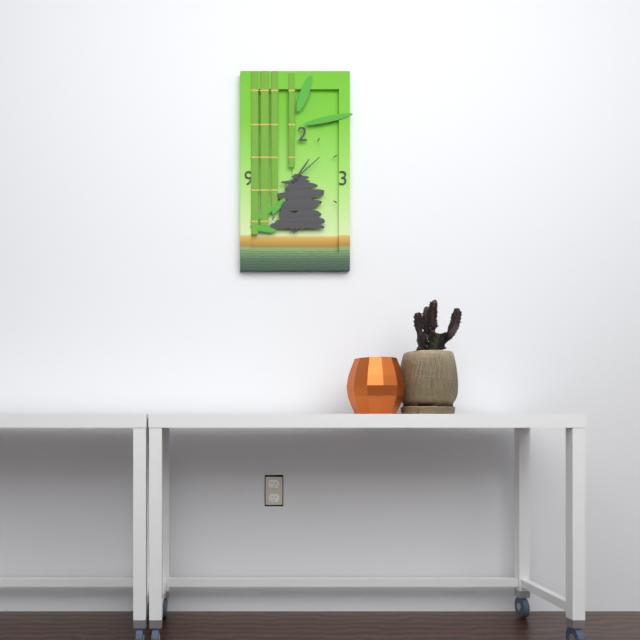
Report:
**1:08**
